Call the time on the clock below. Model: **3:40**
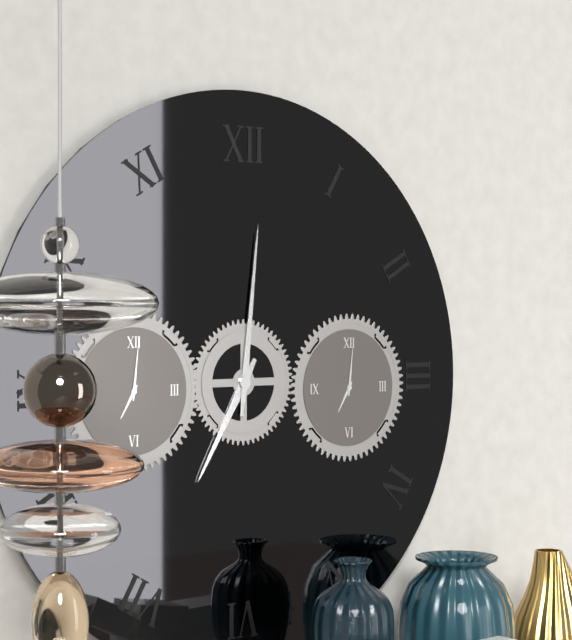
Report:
**7:01**
